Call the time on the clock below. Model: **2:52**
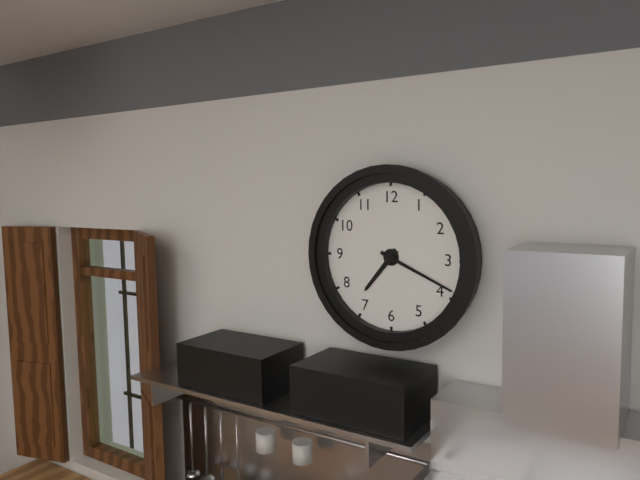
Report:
**7:19**
